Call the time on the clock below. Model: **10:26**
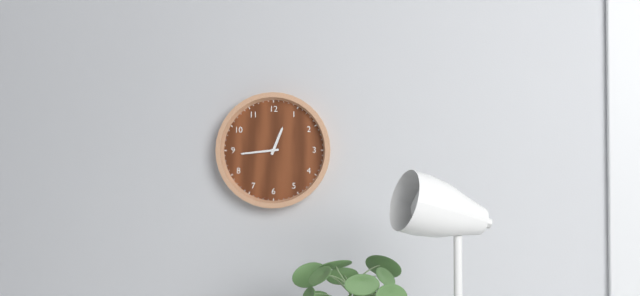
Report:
**12:44**
